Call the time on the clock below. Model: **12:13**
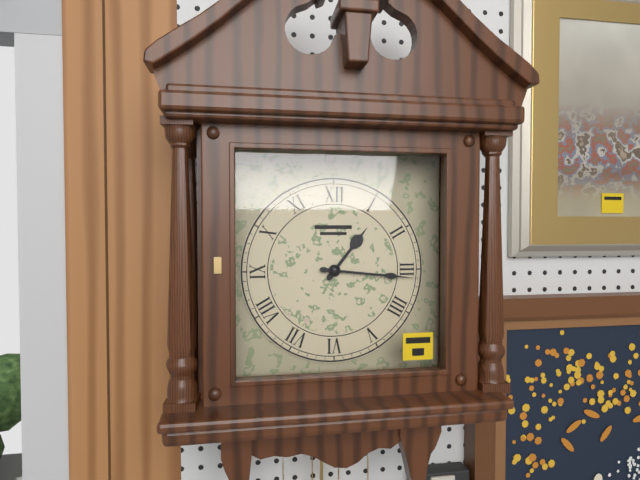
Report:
**1:16**
